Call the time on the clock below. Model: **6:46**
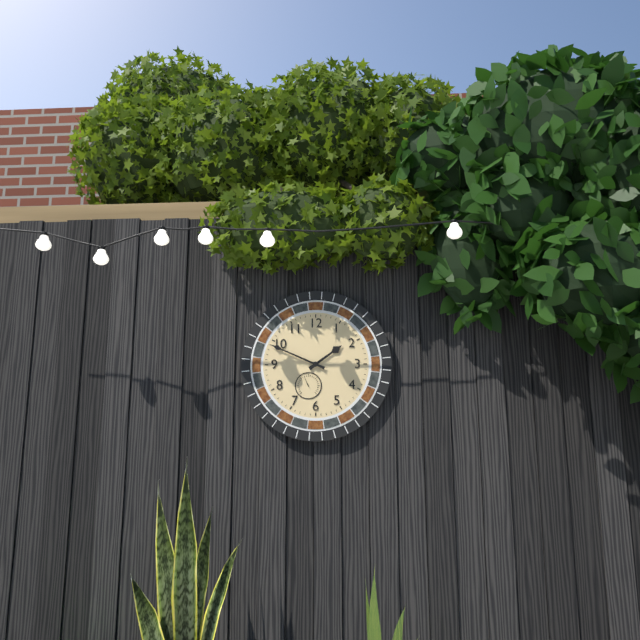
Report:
**1:49**
